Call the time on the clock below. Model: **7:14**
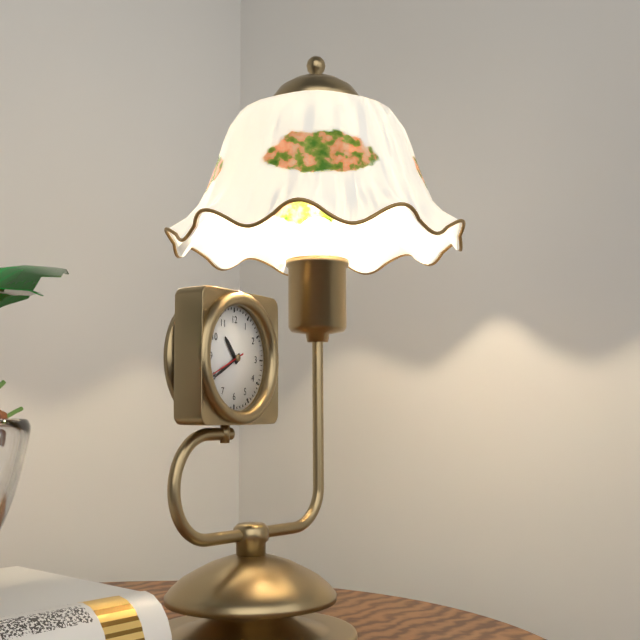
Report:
**10:40**
